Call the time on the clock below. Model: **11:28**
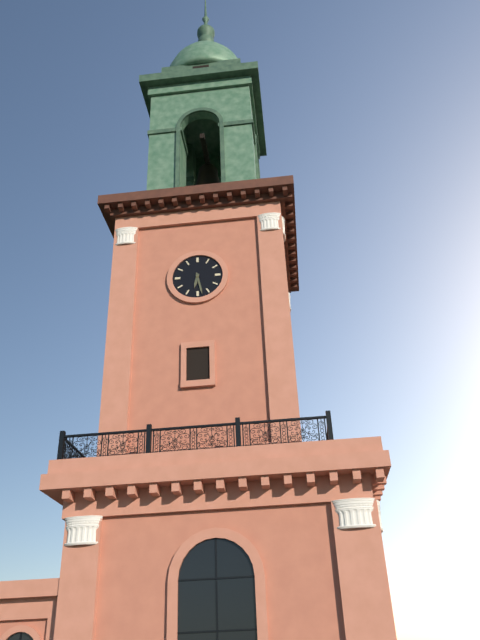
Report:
**6:28**
